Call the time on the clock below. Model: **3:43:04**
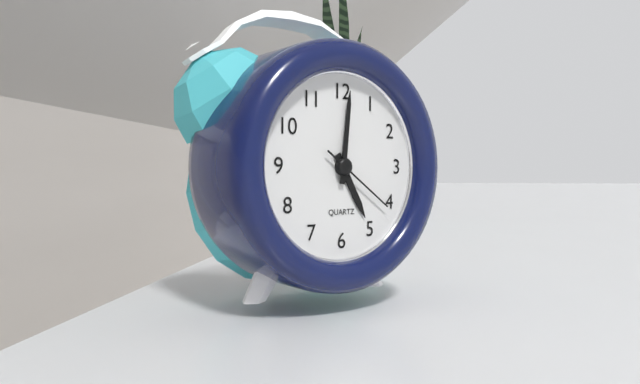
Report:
**5:01:21**
